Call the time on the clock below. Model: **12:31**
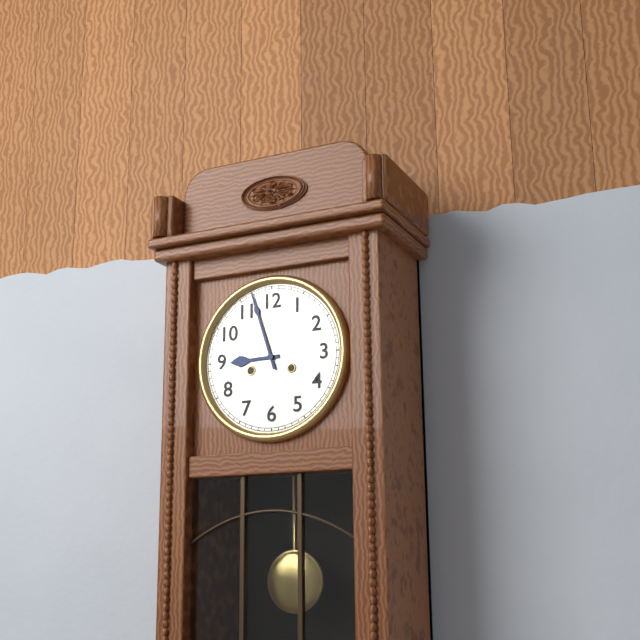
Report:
**8:57**
